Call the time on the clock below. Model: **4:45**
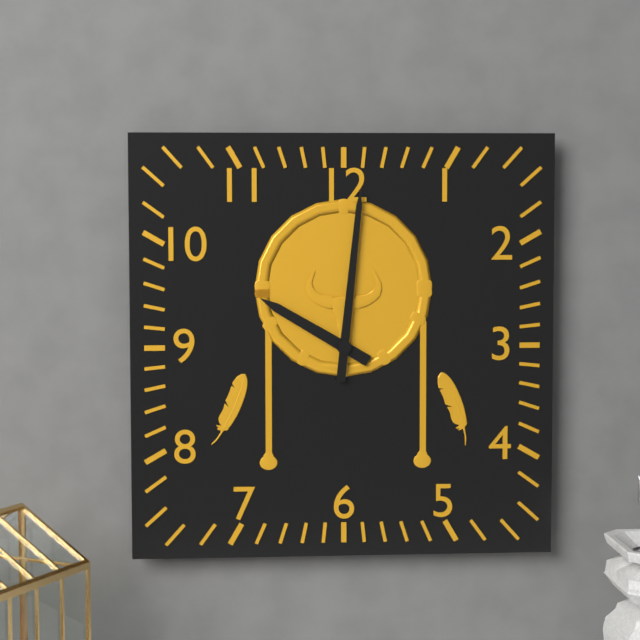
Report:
**10:01**
